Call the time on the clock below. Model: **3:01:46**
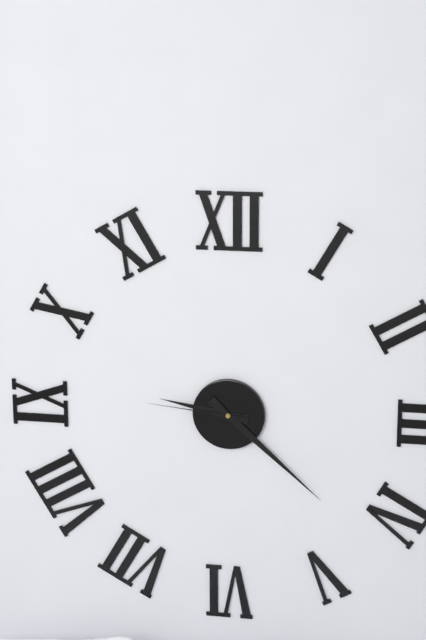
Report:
**9:22:46**
